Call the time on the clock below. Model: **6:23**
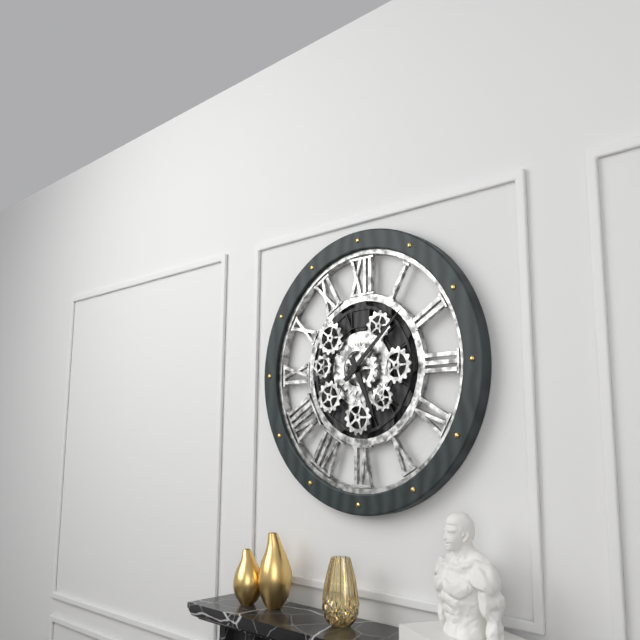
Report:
**5:08**
